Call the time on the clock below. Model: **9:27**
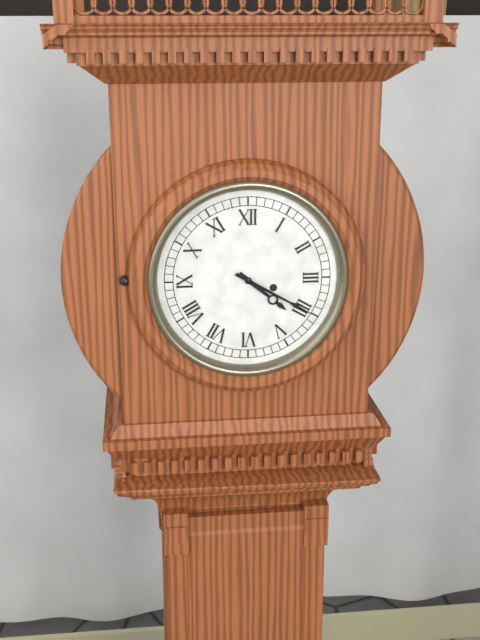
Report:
**4:20**
